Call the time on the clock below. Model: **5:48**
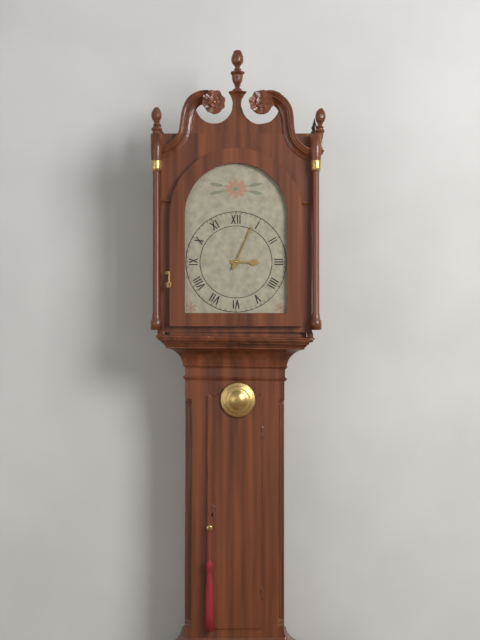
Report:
**3:04**
